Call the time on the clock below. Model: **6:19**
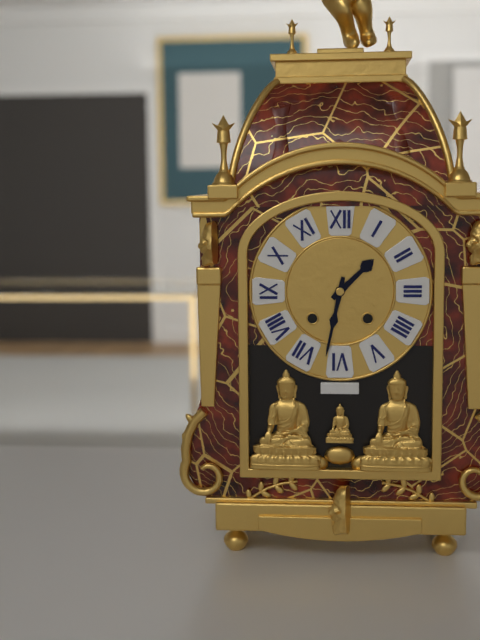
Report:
**1:32**
